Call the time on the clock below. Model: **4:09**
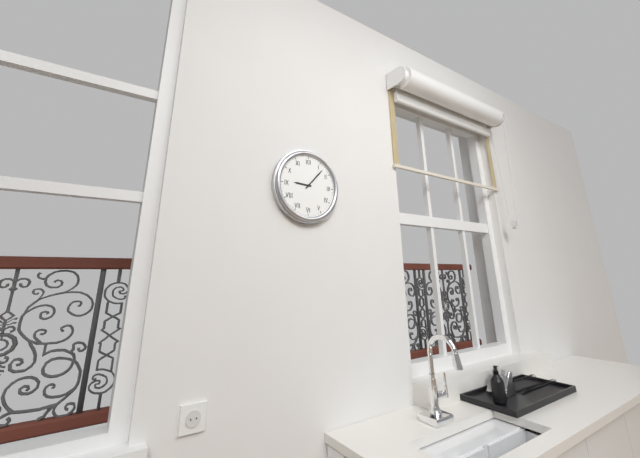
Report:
**9:07**
